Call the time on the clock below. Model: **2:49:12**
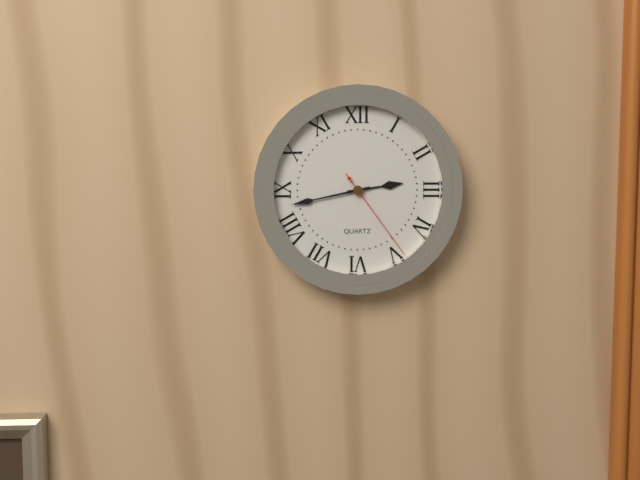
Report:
**2:43:24**
